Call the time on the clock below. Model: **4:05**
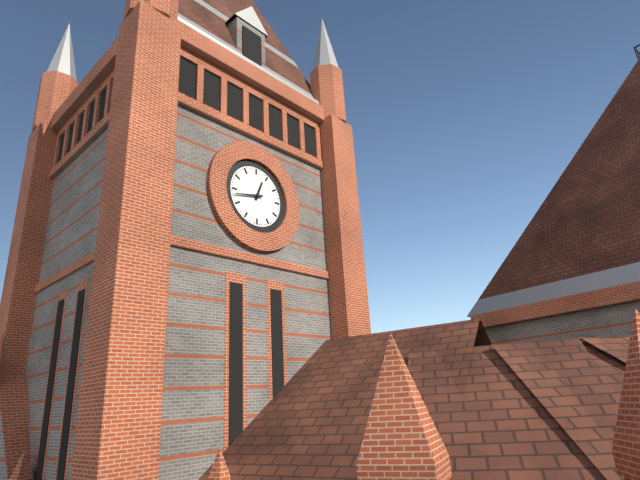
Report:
**12:43**
